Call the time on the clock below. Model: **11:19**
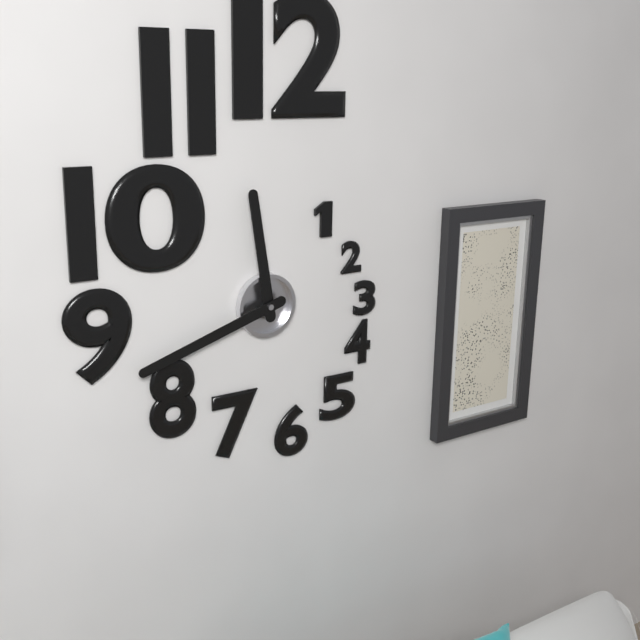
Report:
**11:42**
